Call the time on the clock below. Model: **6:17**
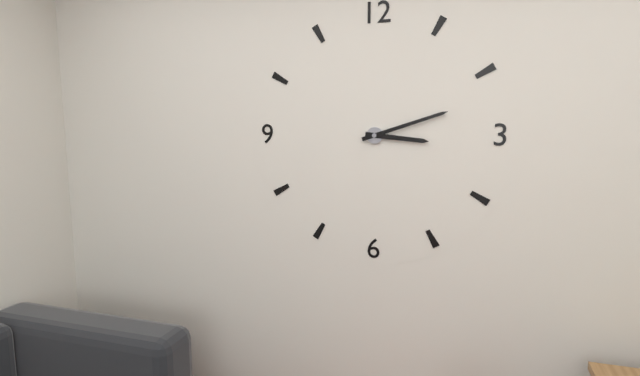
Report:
**3:12**
